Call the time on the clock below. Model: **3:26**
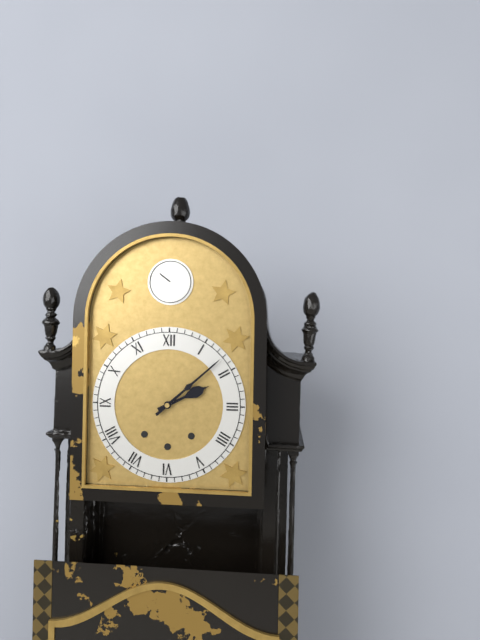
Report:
**2:08**
